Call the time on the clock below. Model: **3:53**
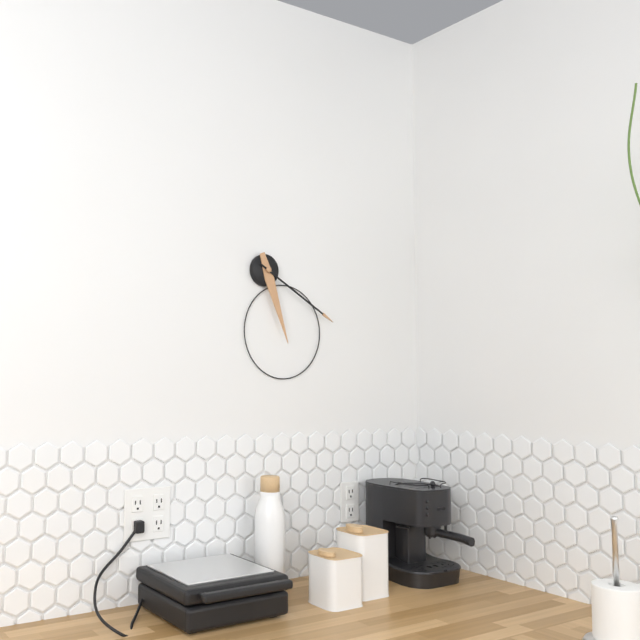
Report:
**5:20**
